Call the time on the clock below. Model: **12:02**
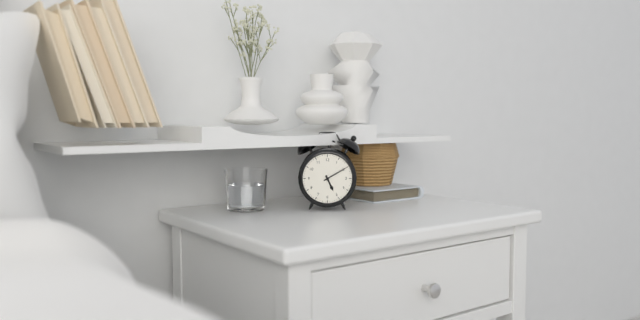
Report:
**5:10**
